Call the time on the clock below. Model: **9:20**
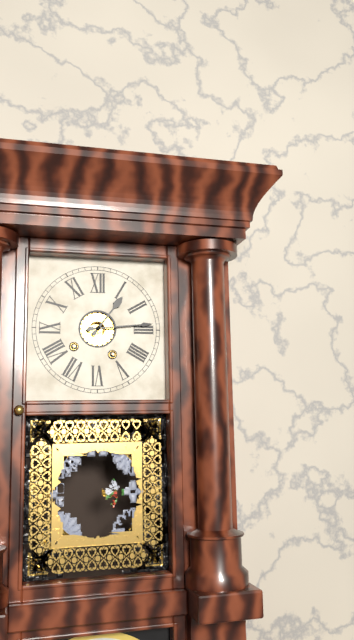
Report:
**1:14**
